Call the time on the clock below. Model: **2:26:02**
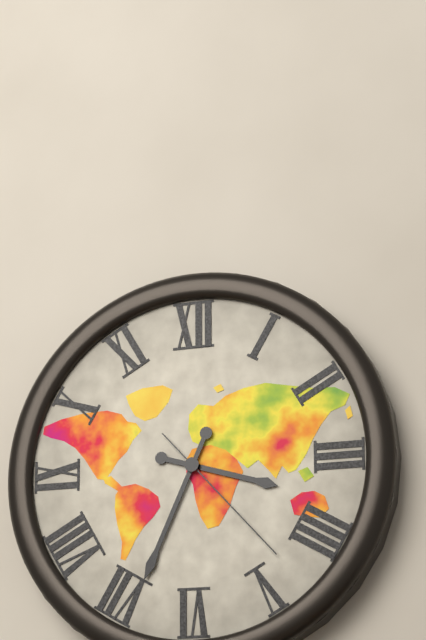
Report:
**3:34:23**
